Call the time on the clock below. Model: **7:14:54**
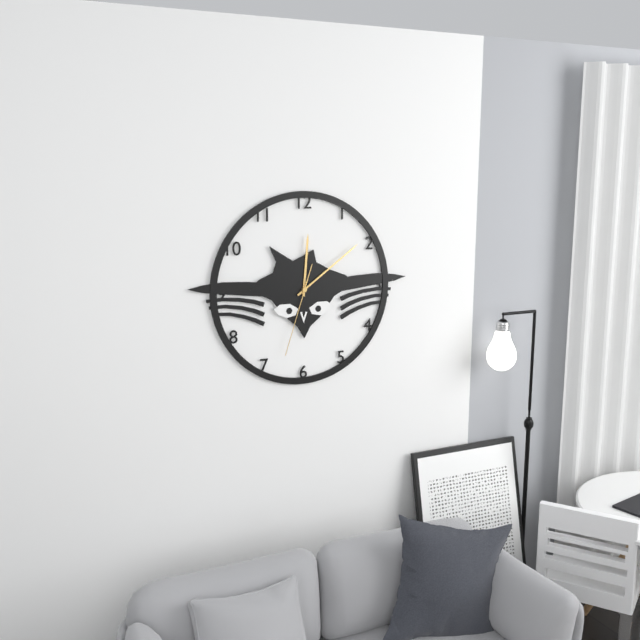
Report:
**12:09:33**
